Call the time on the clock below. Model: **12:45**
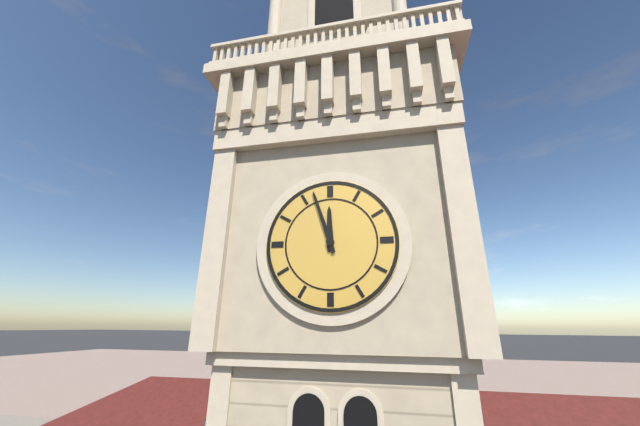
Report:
**11:57**
